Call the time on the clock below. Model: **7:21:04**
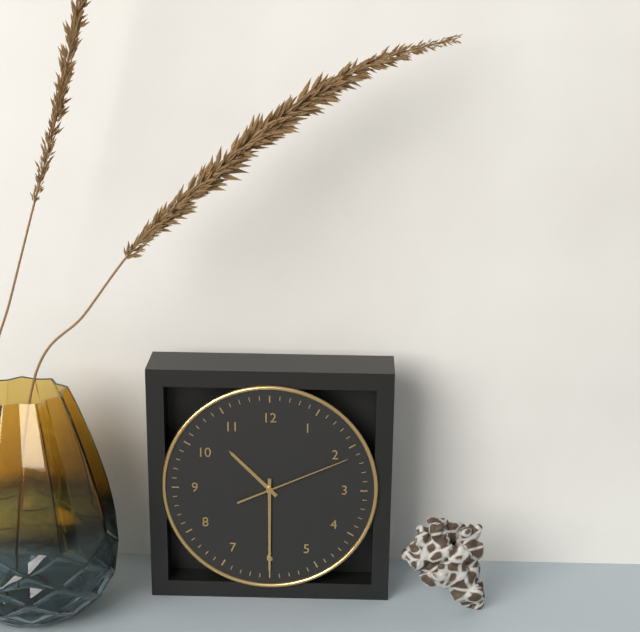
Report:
**10:30:11**
